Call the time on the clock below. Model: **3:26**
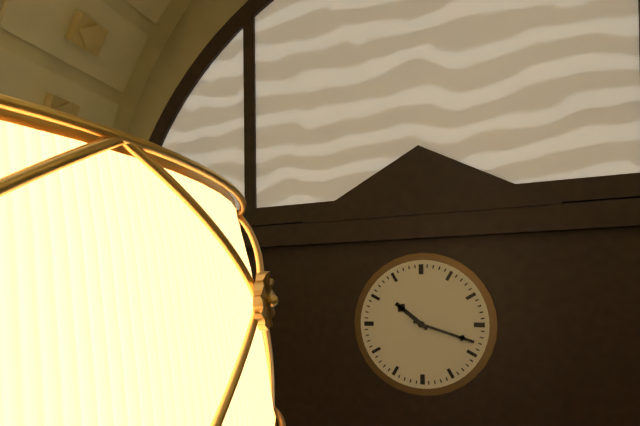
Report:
**10:18**
